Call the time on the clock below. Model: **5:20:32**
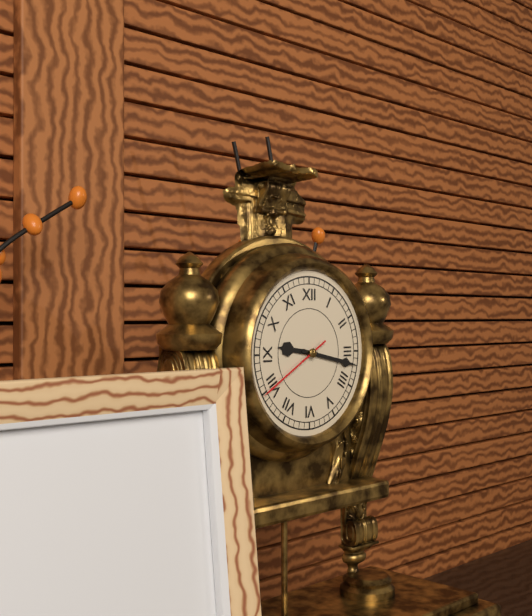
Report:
**9:17:40**
